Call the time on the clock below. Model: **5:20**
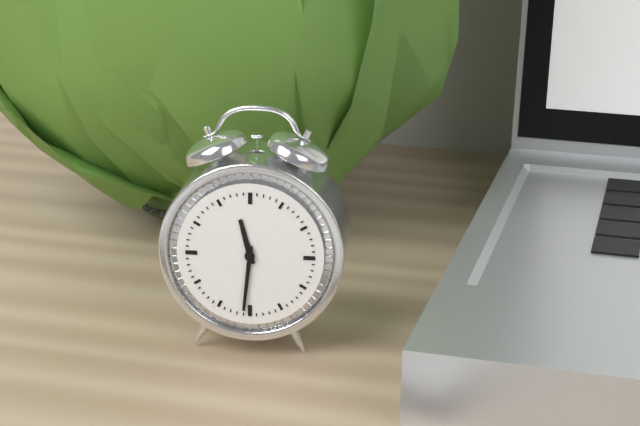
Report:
**11:31**
